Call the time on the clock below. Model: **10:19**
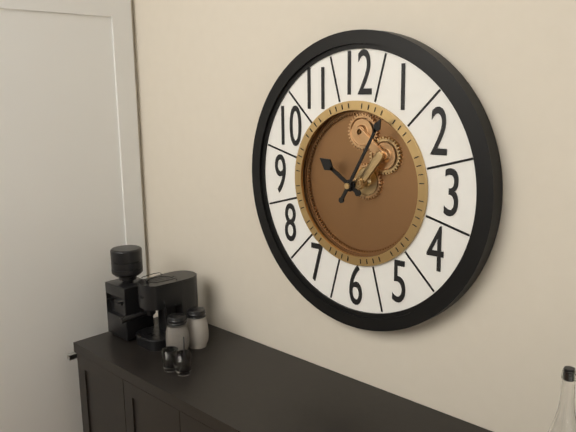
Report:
**10:05**
